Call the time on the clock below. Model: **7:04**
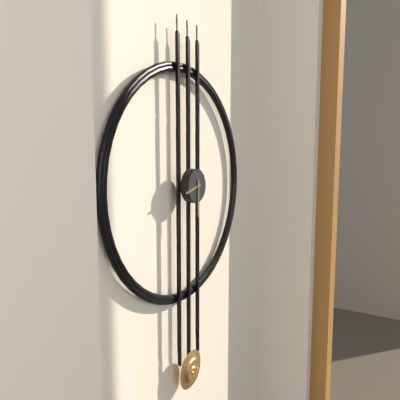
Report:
**8:30**
